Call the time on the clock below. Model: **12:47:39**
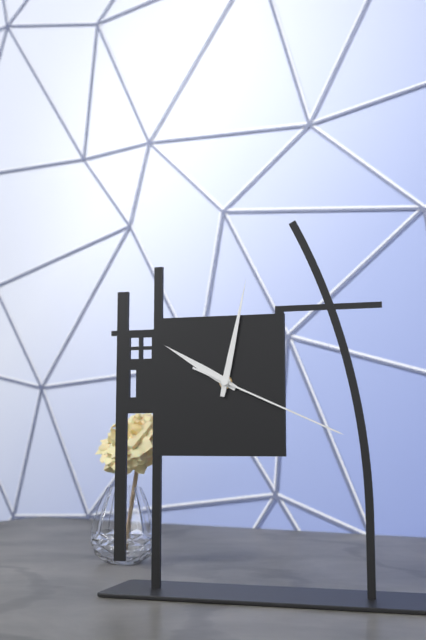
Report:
**10:02:19**
